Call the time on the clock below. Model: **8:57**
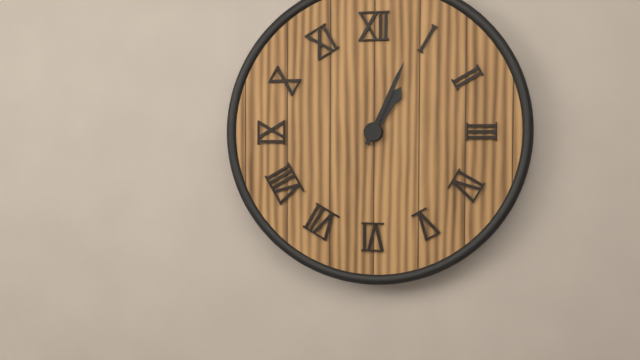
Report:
**1:04**
